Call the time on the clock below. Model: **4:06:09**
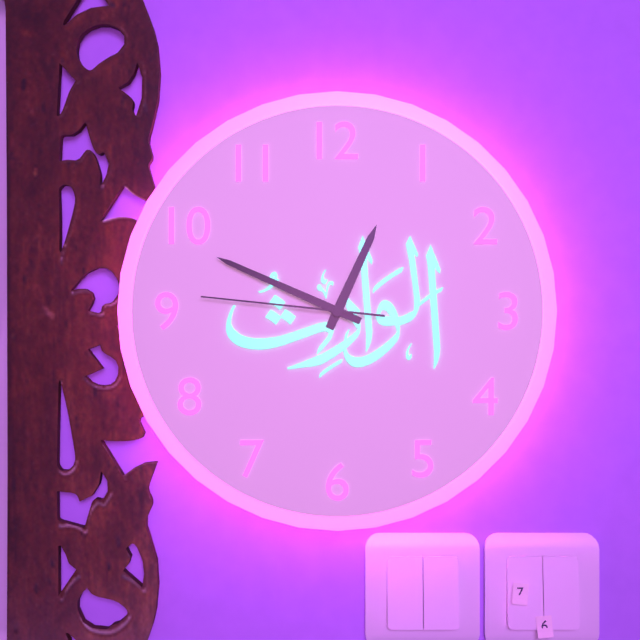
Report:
**12:49:46**
